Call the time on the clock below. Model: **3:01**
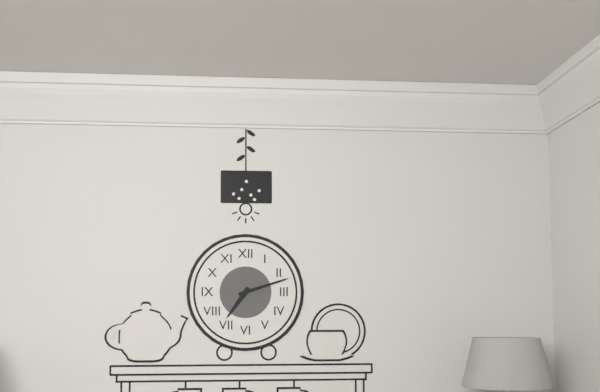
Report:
**7:12**
